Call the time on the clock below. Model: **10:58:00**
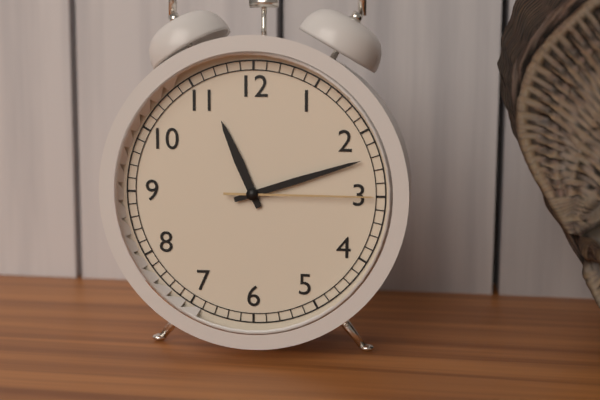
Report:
**11:12:15**
